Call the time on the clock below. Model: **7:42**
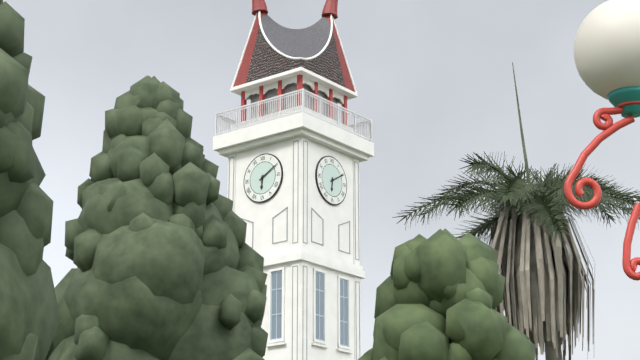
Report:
**6:10**
